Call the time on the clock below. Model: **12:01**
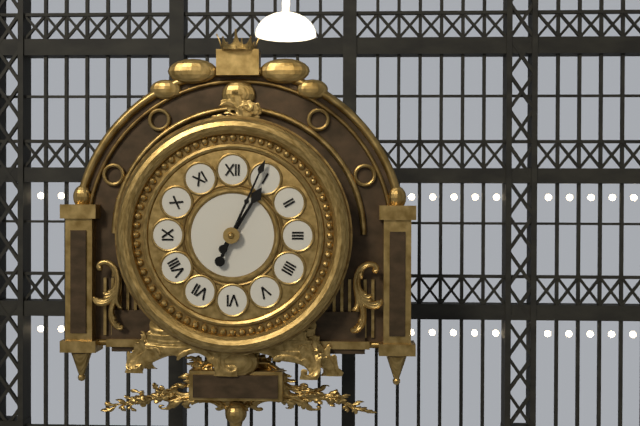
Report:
**1:04**
